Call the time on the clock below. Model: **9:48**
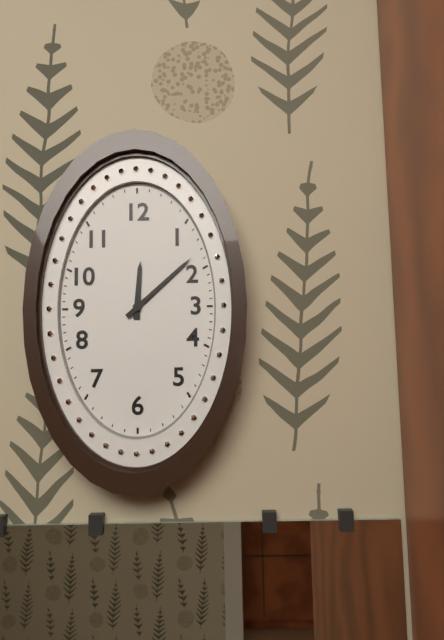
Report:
**12:08**
